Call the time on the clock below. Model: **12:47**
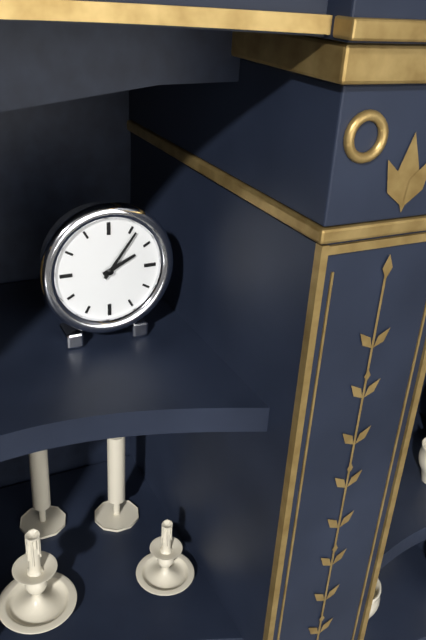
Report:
**2:06**
